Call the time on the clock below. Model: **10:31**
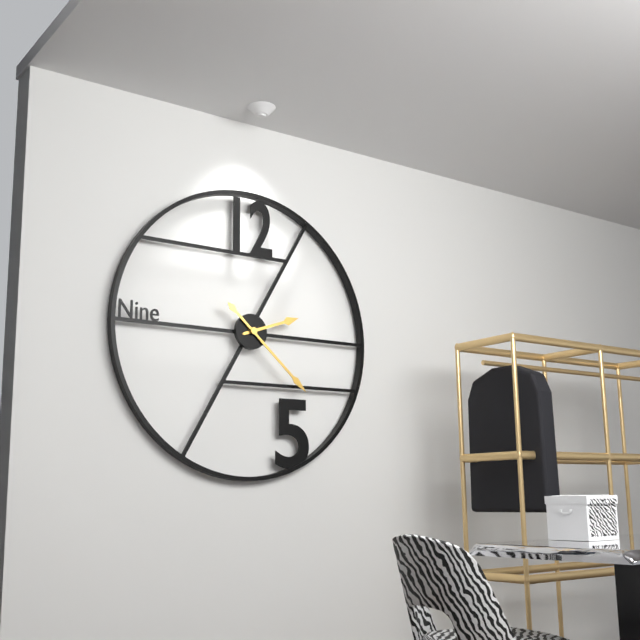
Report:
**2:22**
